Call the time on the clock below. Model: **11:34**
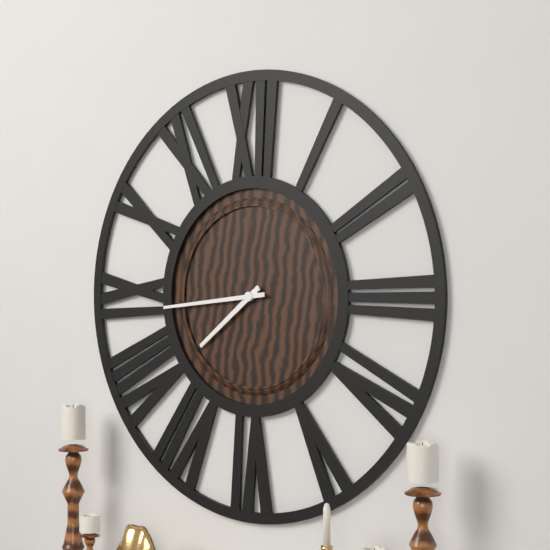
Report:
**7:44**
